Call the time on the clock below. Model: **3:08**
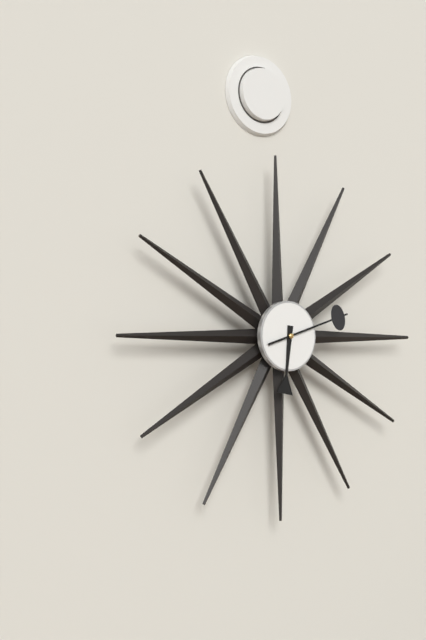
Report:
**6:12**
